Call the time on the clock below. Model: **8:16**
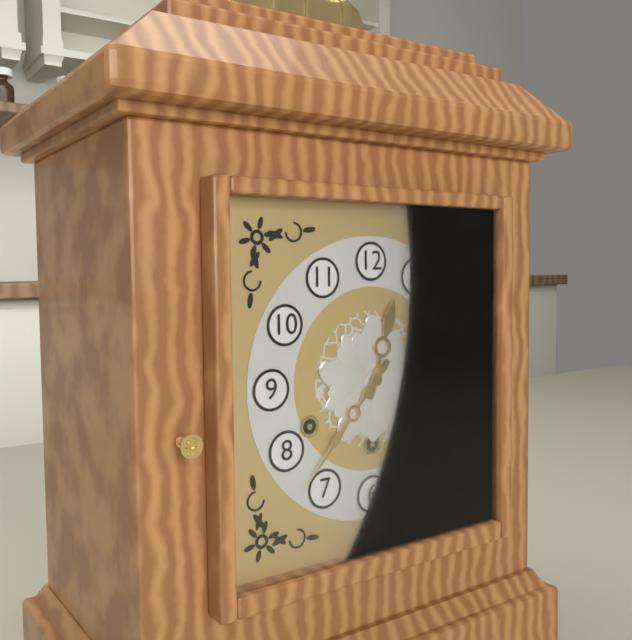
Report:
**12:37**
